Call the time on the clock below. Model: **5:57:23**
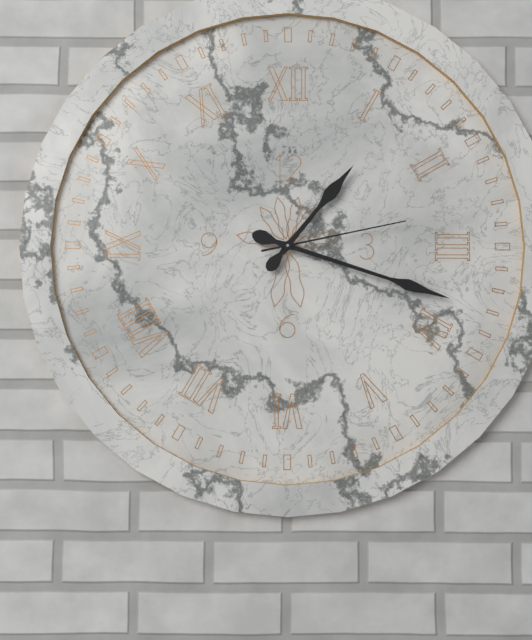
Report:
**1:18:13**
